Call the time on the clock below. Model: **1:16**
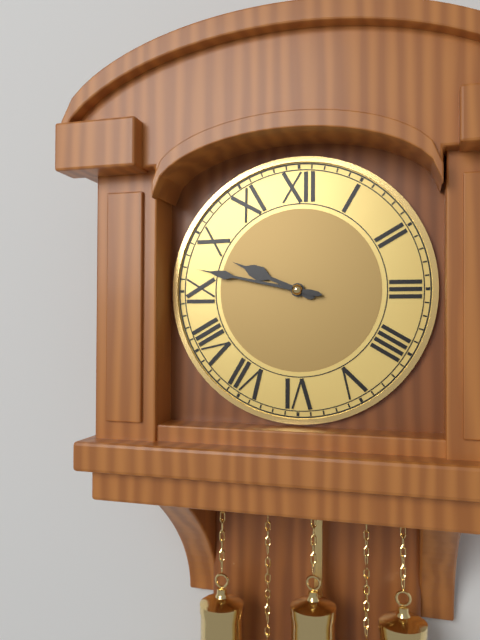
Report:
**9:47**
